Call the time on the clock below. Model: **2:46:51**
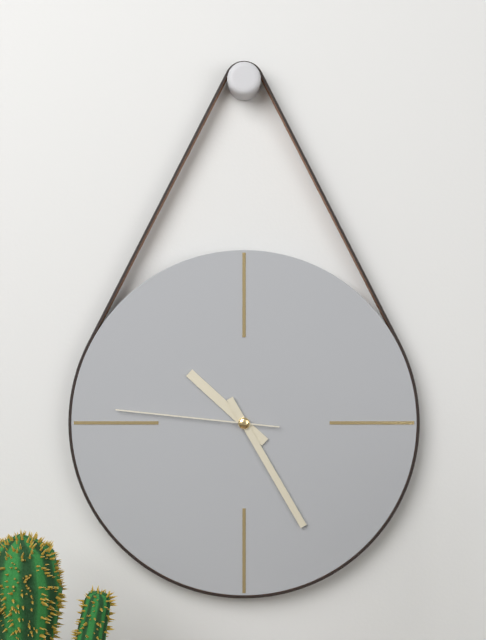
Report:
**10:25:46**
